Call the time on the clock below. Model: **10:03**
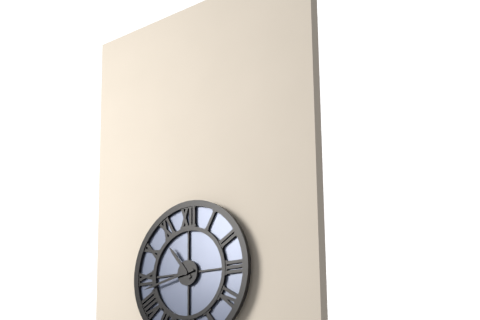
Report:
**10:43**
